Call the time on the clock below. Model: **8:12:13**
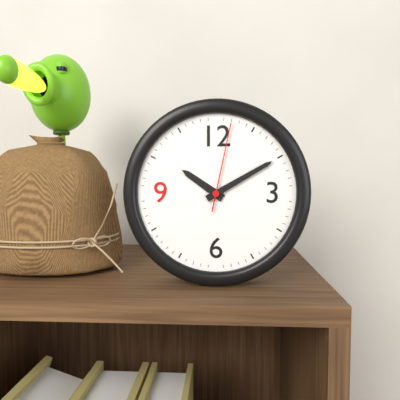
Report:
**10:10:02**
